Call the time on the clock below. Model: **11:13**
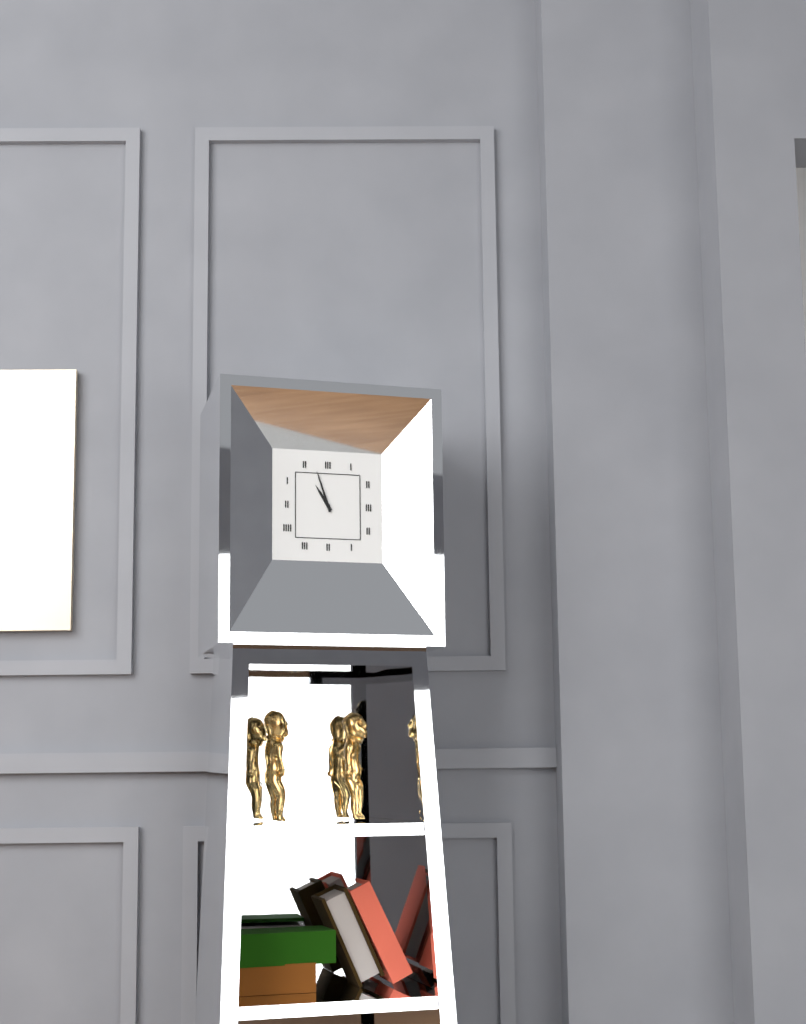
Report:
**10:57**
